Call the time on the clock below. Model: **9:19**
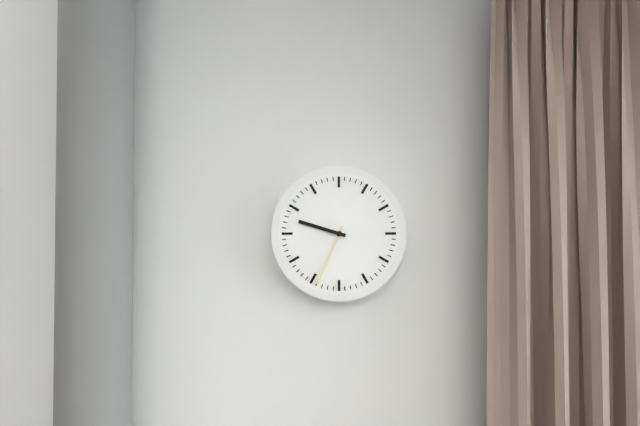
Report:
**9:34**
